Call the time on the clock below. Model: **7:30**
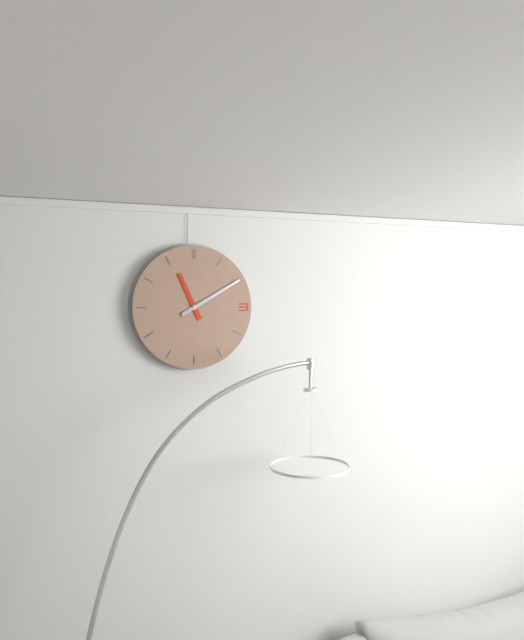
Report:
**11:10**
